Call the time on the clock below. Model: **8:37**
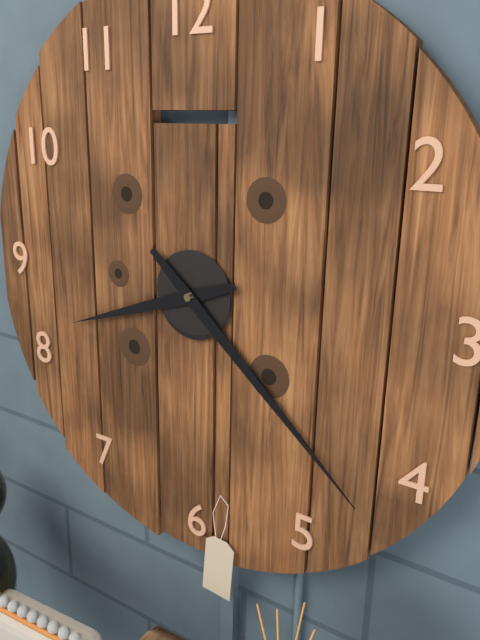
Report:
**8:22**
